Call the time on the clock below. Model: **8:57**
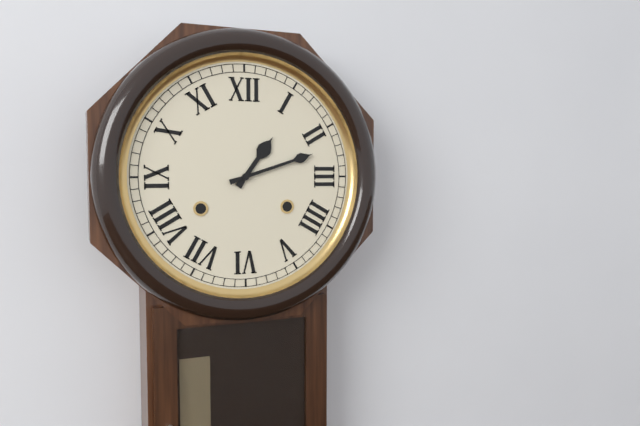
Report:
**1:12**
